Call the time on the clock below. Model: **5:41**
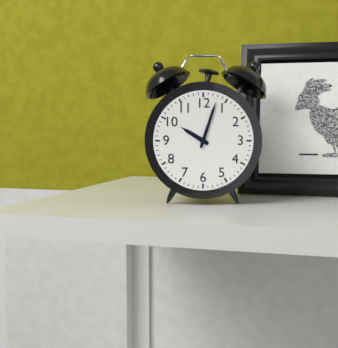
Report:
**10:03**
